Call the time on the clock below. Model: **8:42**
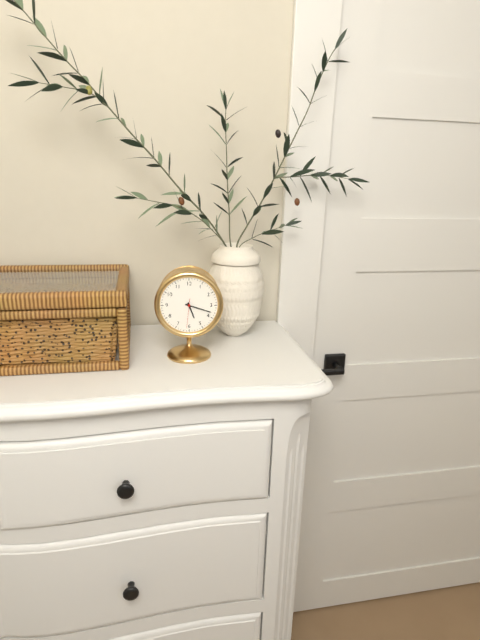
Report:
**5:18**
